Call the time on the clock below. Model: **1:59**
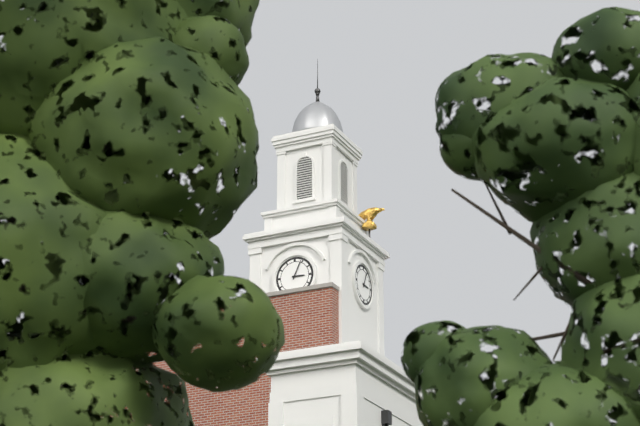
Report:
**3:04**
